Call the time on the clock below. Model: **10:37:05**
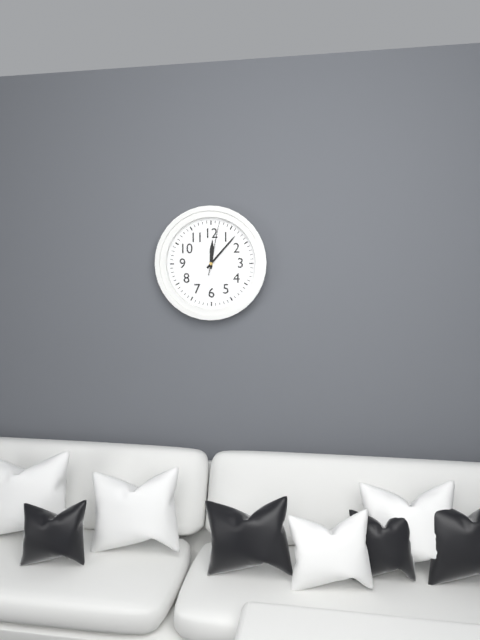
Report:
**12:07:02**
